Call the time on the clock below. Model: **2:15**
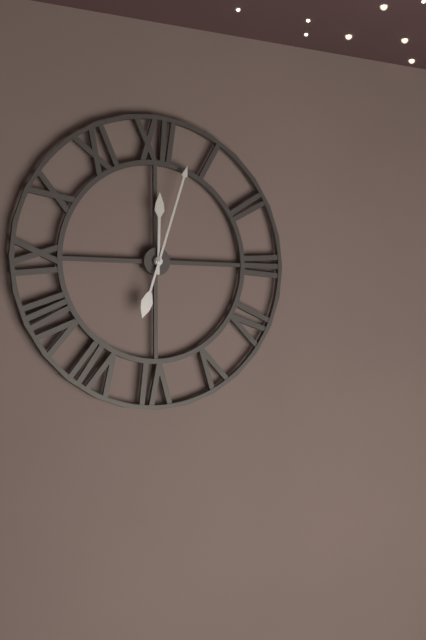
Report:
**12:03**
